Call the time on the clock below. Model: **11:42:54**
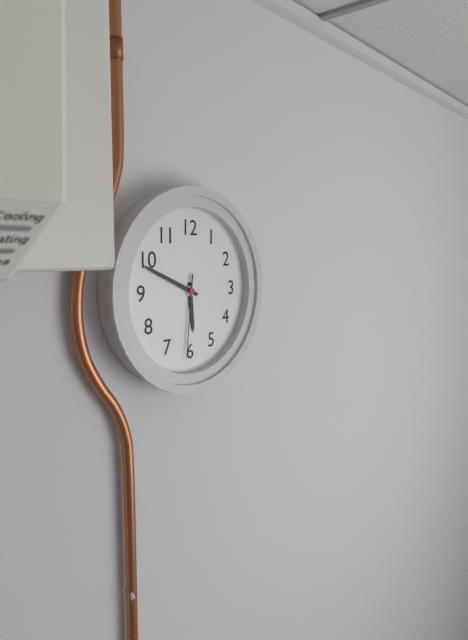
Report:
**5:49:31**
